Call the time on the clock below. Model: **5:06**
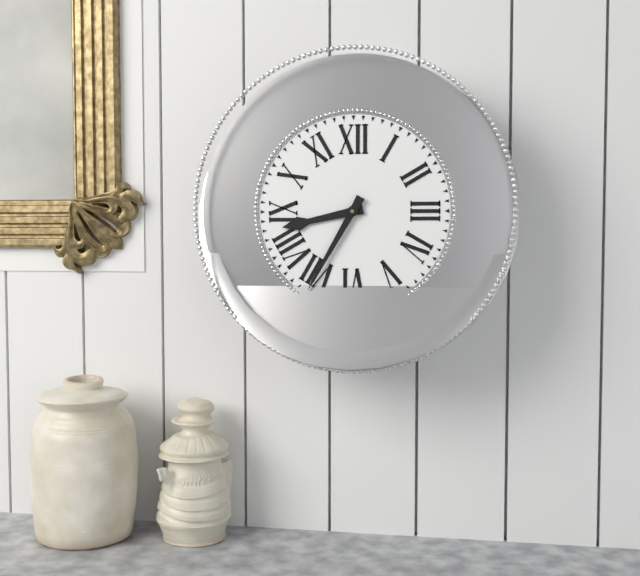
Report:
**8:35**
